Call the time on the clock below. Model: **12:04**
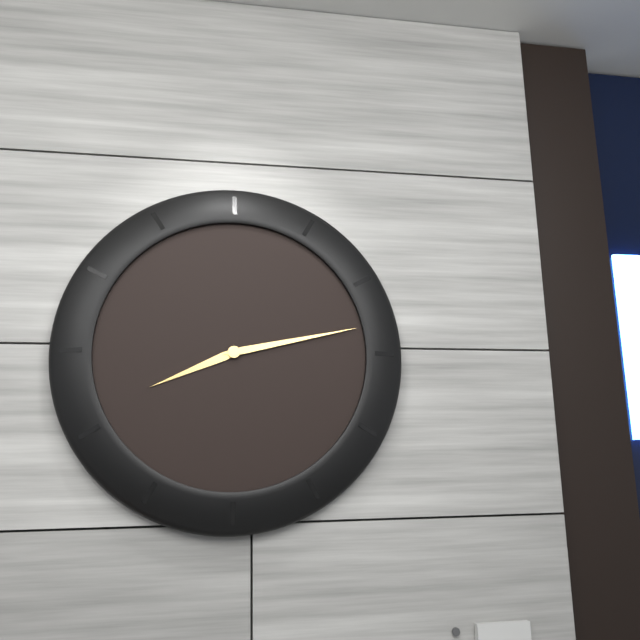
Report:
**8:13**
